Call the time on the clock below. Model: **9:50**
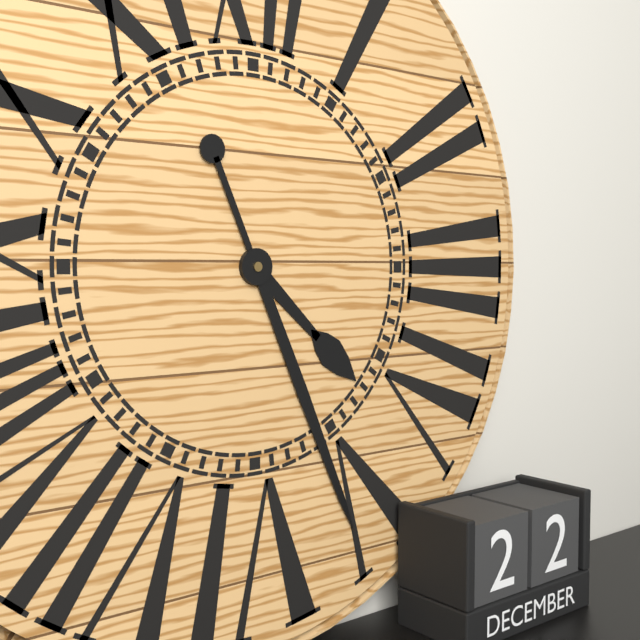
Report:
**4:26**
